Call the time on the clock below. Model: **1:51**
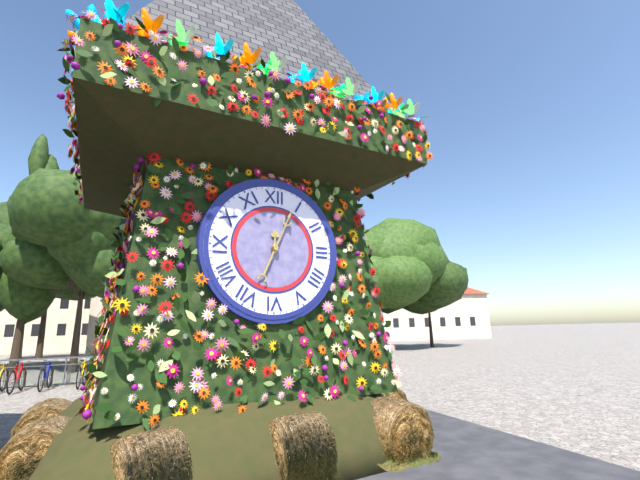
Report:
**12:04**
